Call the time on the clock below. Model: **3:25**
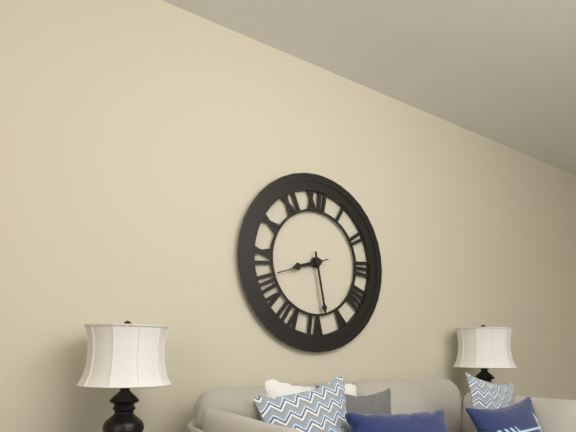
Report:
**8:28**
